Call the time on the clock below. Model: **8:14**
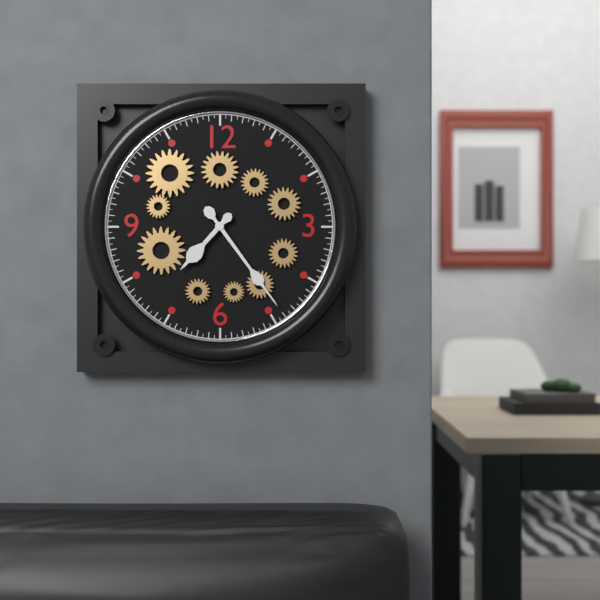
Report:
**7:24**
